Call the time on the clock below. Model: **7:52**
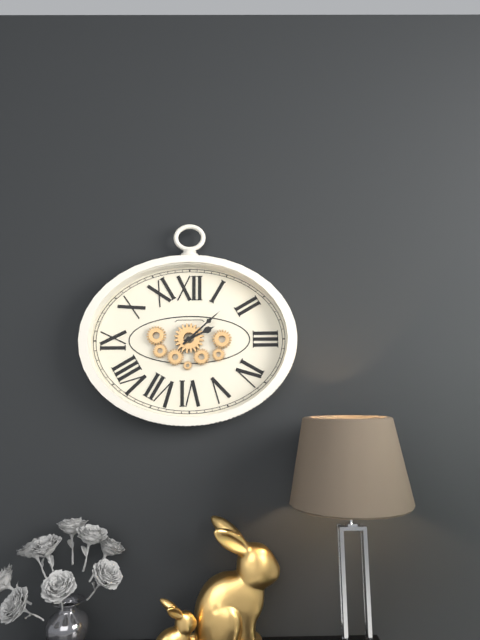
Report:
**2:08**
